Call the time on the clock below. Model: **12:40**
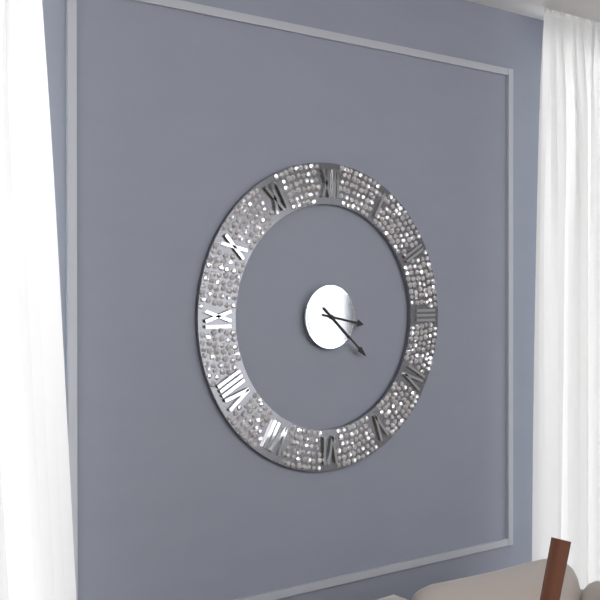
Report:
**3:22**
